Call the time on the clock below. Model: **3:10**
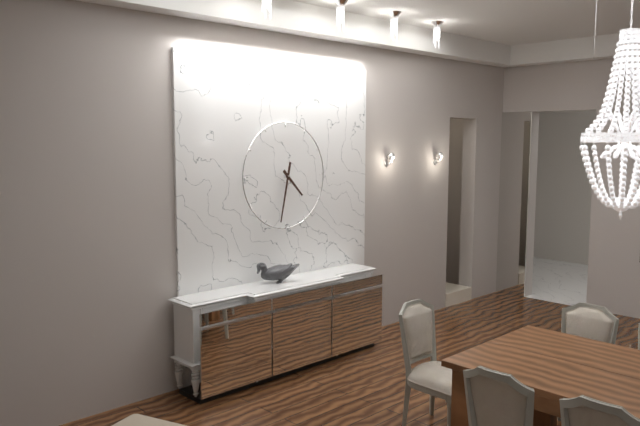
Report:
**4:32**
